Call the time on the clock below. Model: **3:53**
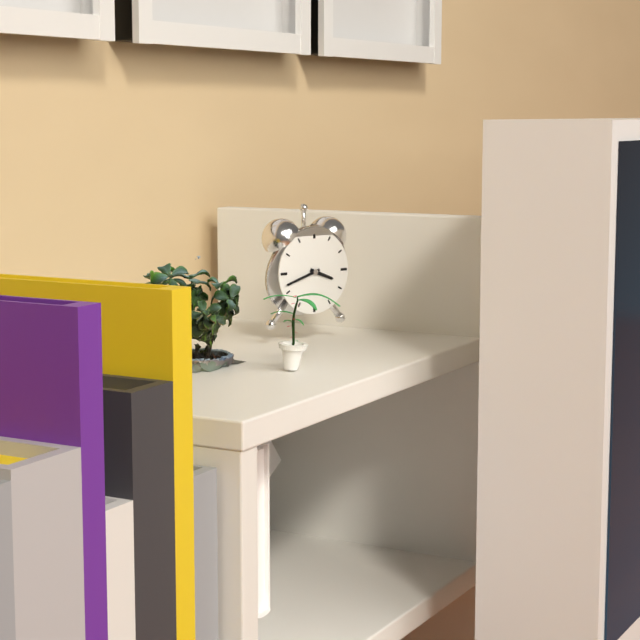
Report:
**3:42**
